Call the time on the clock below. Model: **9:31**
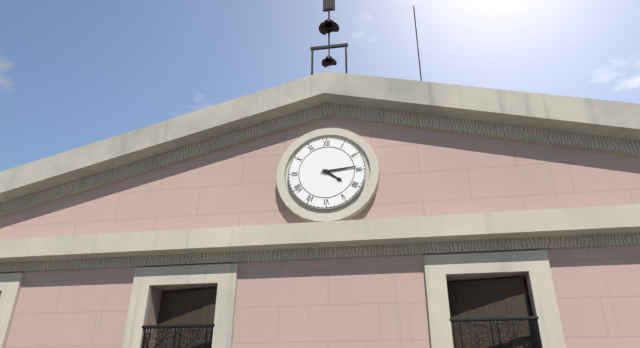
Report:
**4:14**
